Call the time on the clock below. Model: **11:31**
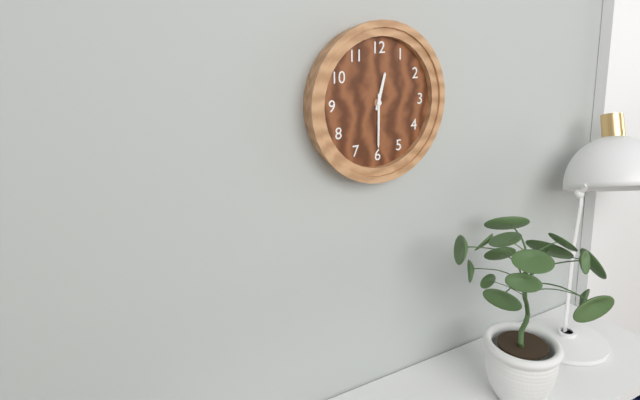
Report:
**12:30**
